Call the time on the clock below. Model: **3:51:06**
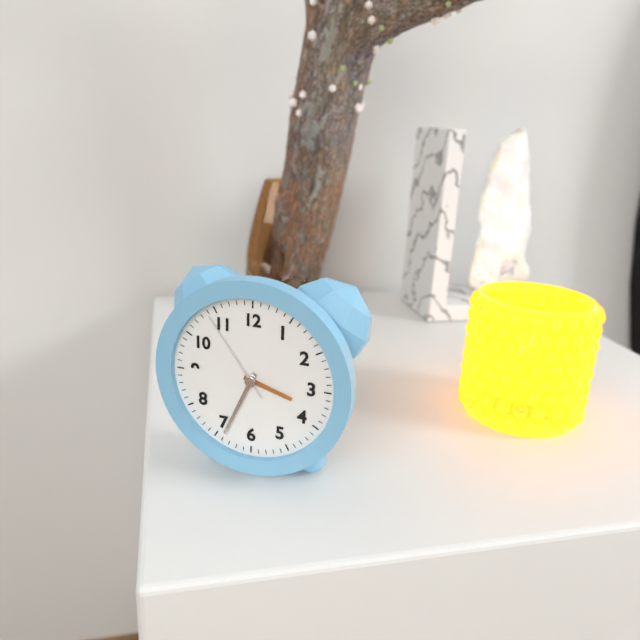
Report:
**3:34:54**
